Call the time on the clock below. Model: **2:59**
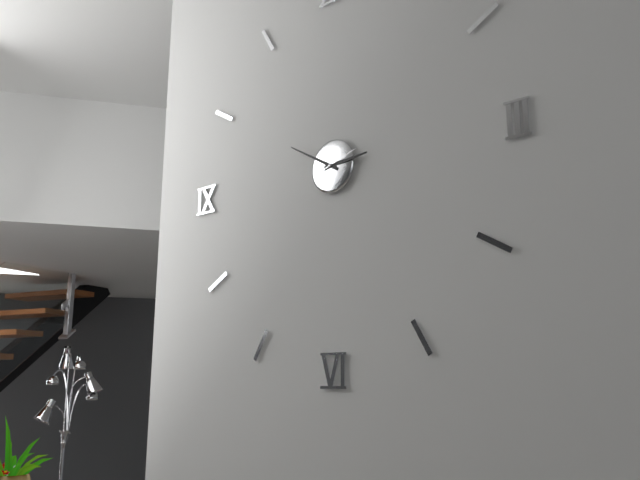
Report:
**2:50**
